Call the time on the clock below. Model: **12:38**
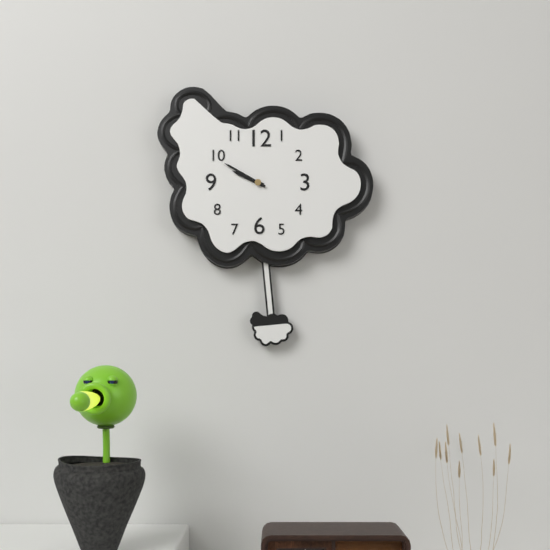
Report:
**9:50**
